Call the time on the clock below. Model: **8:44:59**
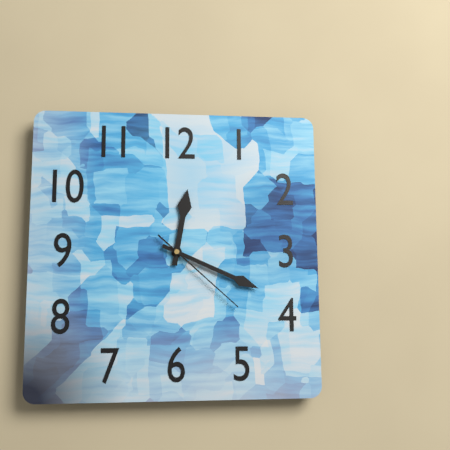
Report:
**12:19:22**
